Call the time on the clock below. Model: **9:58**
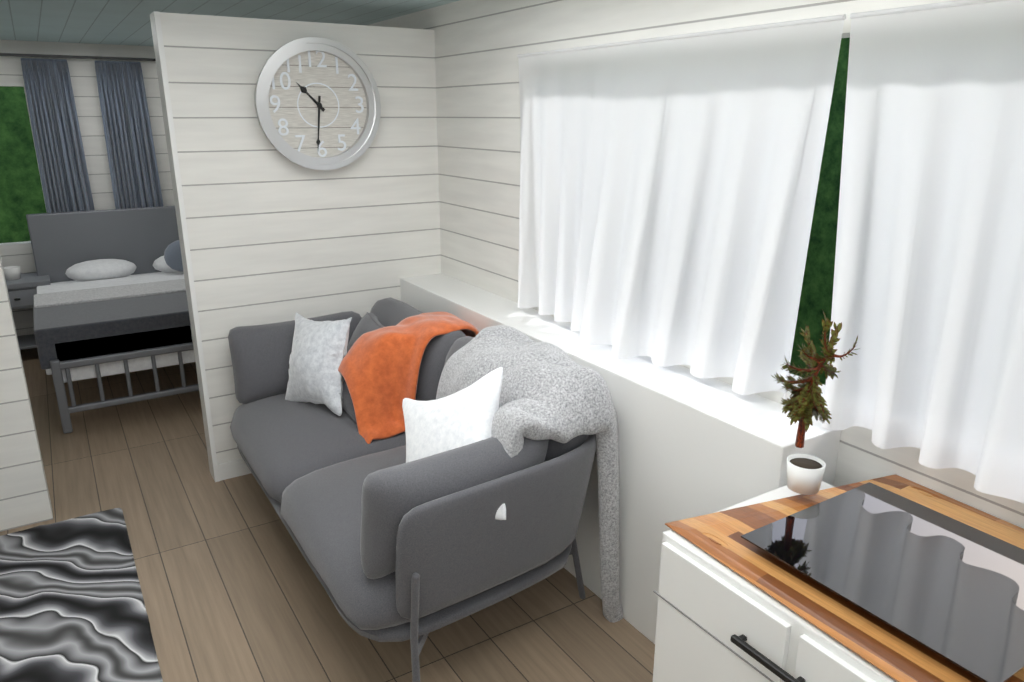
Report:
**10:31**
